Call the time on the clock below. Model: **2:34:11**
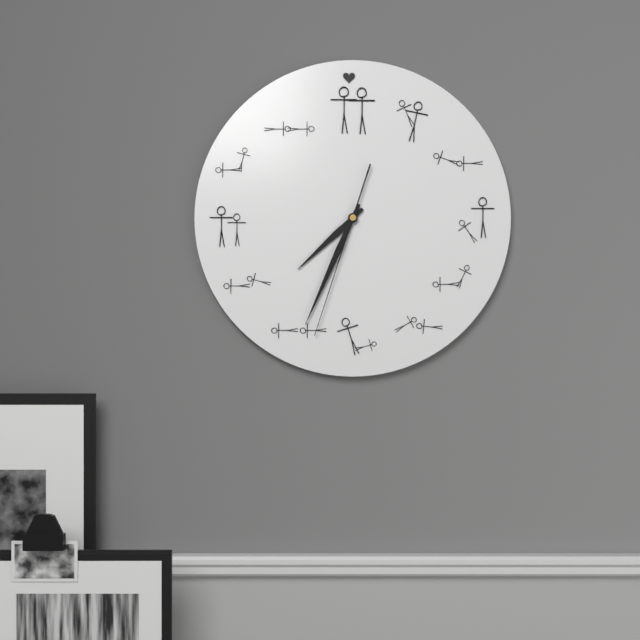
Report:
**7:34:33**
